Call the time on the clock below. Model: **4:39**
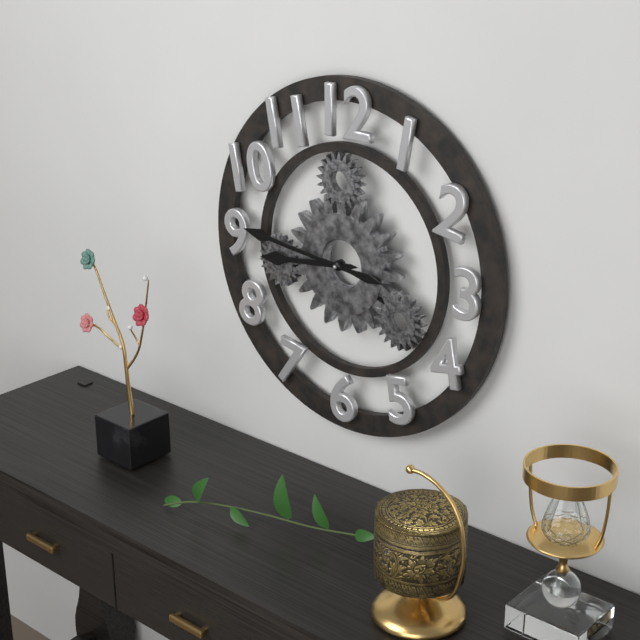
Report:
**8:46**
